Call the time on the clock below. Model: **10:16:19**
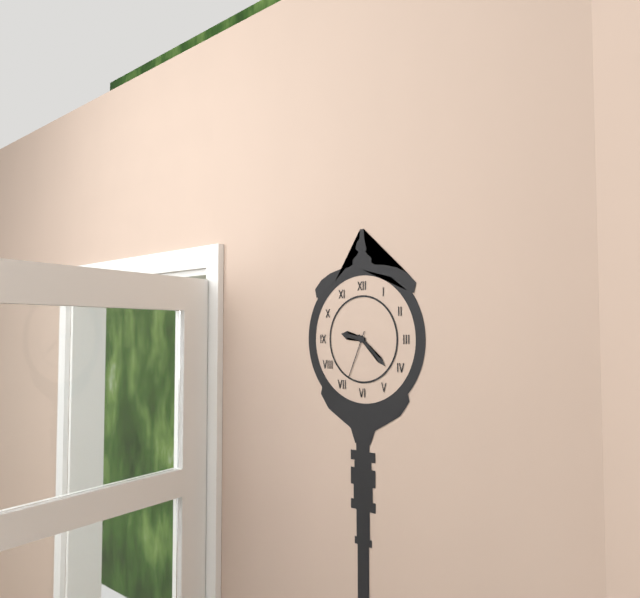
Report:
**9:22:34**
